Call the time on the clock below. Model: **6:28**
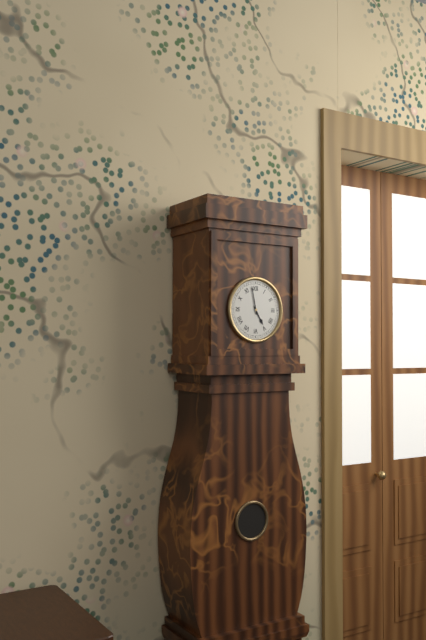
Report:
**4:58**
